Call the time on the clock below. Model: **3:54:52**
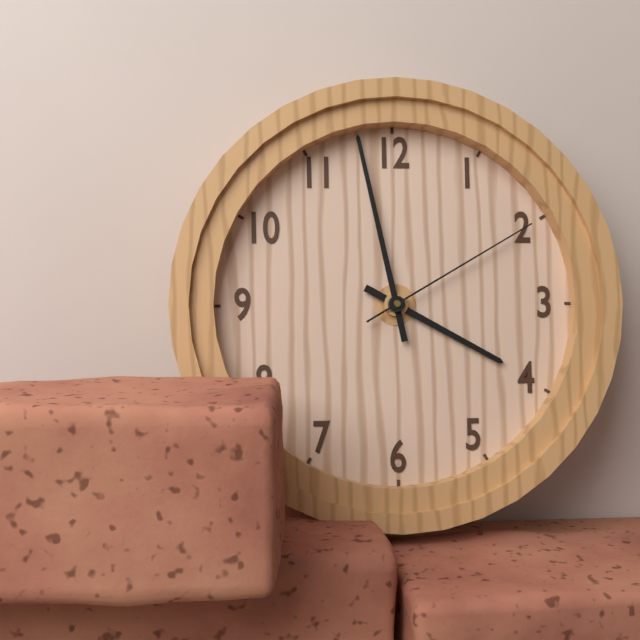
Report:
**3:58:10**
